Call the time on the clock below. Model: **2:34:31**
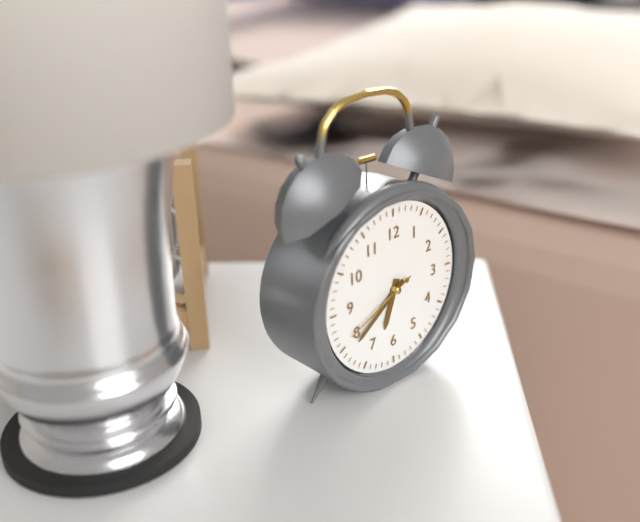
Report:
**6:39:41**
